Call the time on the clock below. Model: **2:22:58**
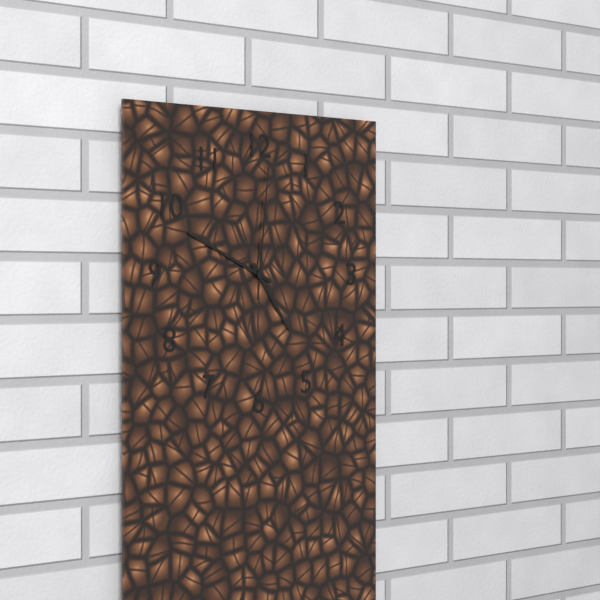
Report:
**4:49:01**
